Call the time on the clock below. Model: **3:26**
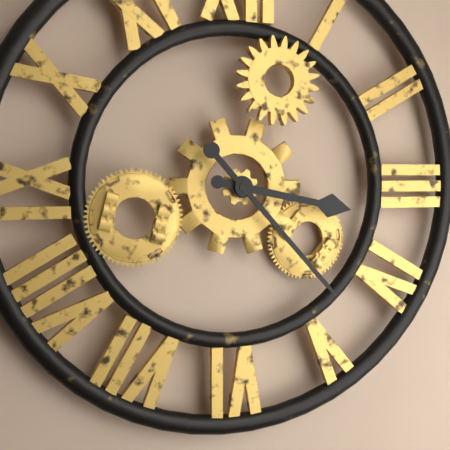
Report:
**3:23**
